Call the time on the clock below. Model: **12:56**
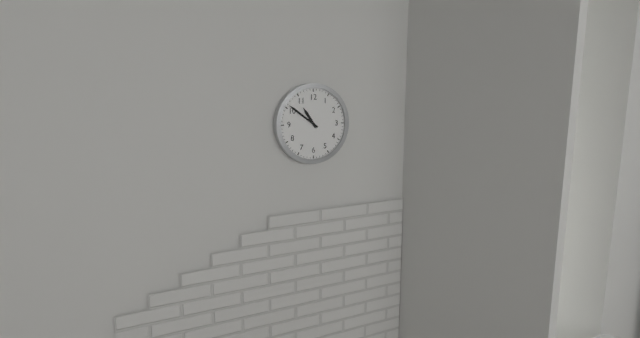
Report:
**10:51**
